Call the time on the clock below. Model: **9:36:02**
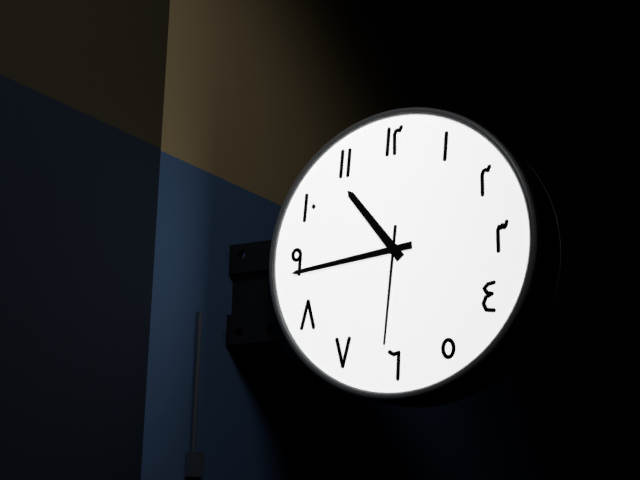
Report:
**10:44:31**
